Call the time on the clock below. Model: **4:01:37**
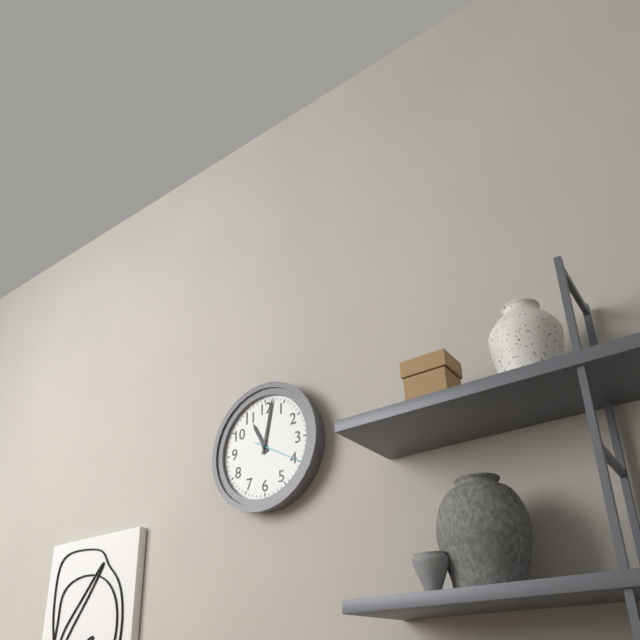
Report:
**11:02:20**
